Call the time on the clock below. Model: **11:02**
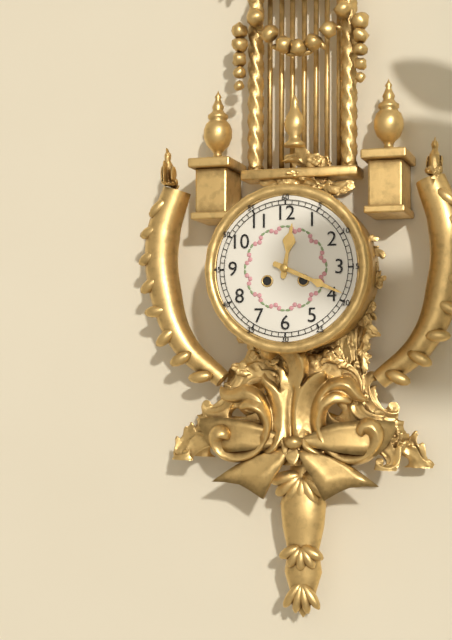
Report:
**12:19**
